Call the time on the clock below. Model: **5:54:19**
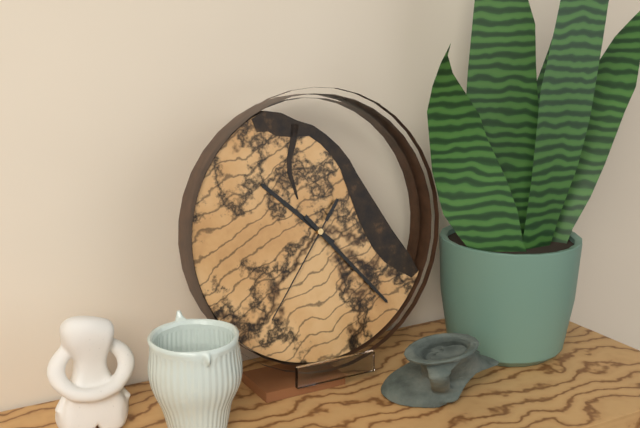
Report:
**10:23:36**
